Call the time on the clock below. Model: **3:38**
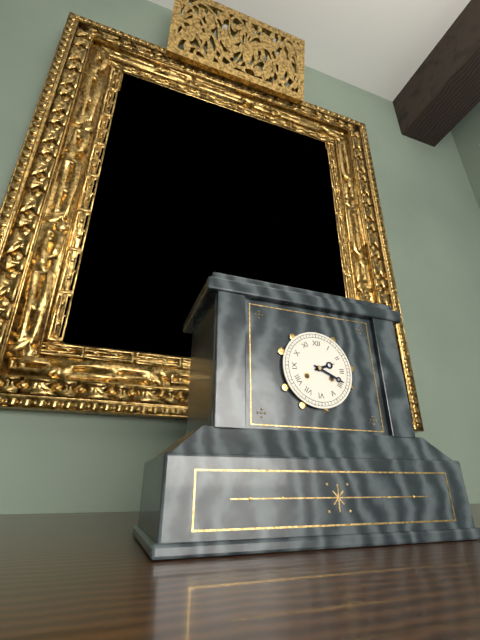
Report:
**2:19**
